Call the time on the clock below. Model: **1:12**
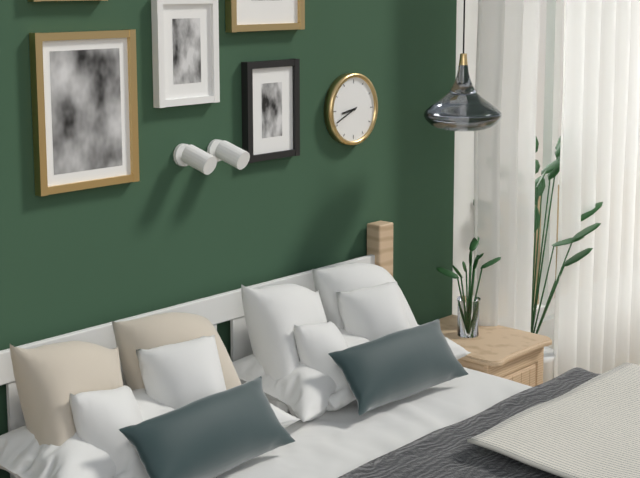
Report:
**8:41**
